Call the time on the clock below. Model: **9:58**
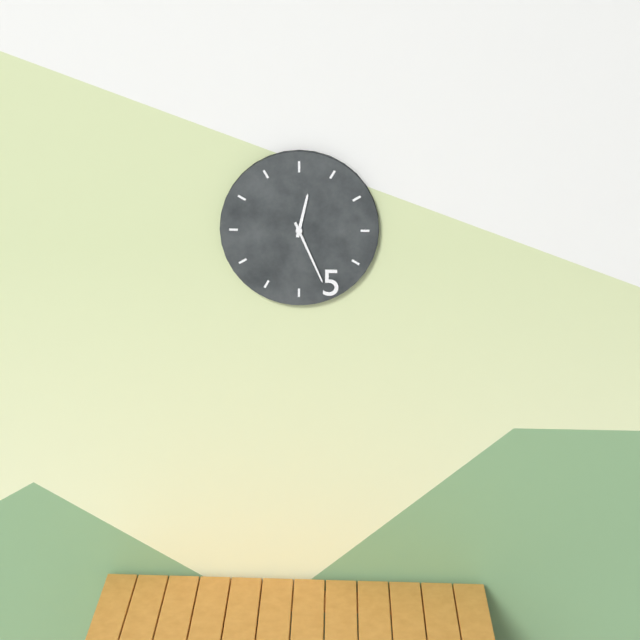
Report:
**12:26**
